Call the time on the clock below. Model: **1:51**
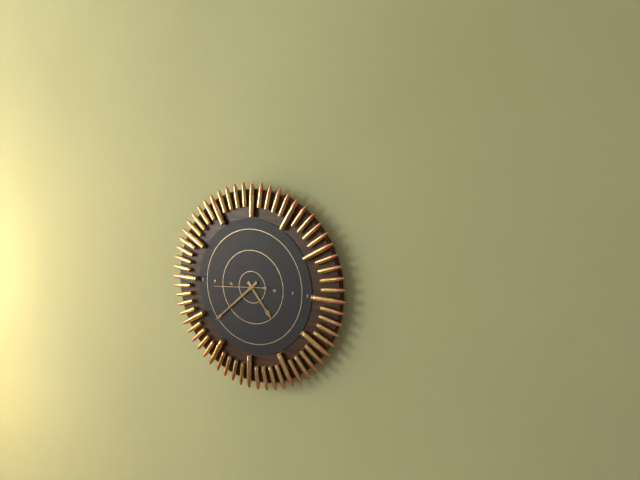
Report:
**4:38**
